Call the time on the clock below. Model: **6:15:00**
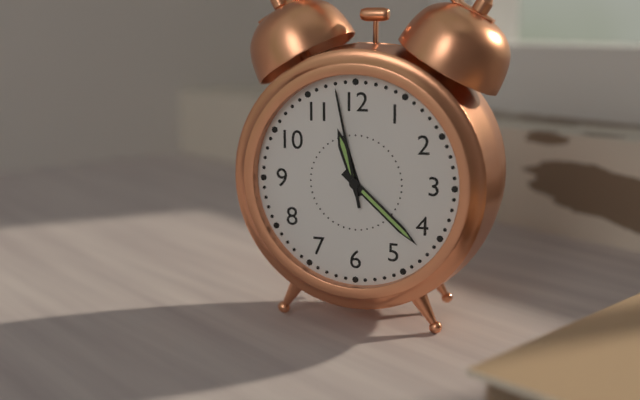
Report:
**11:22:58**
